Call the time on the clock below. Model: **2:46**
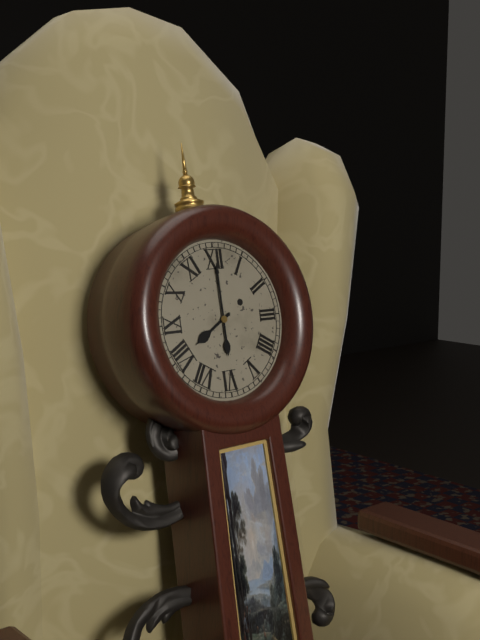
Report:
**8:00**
